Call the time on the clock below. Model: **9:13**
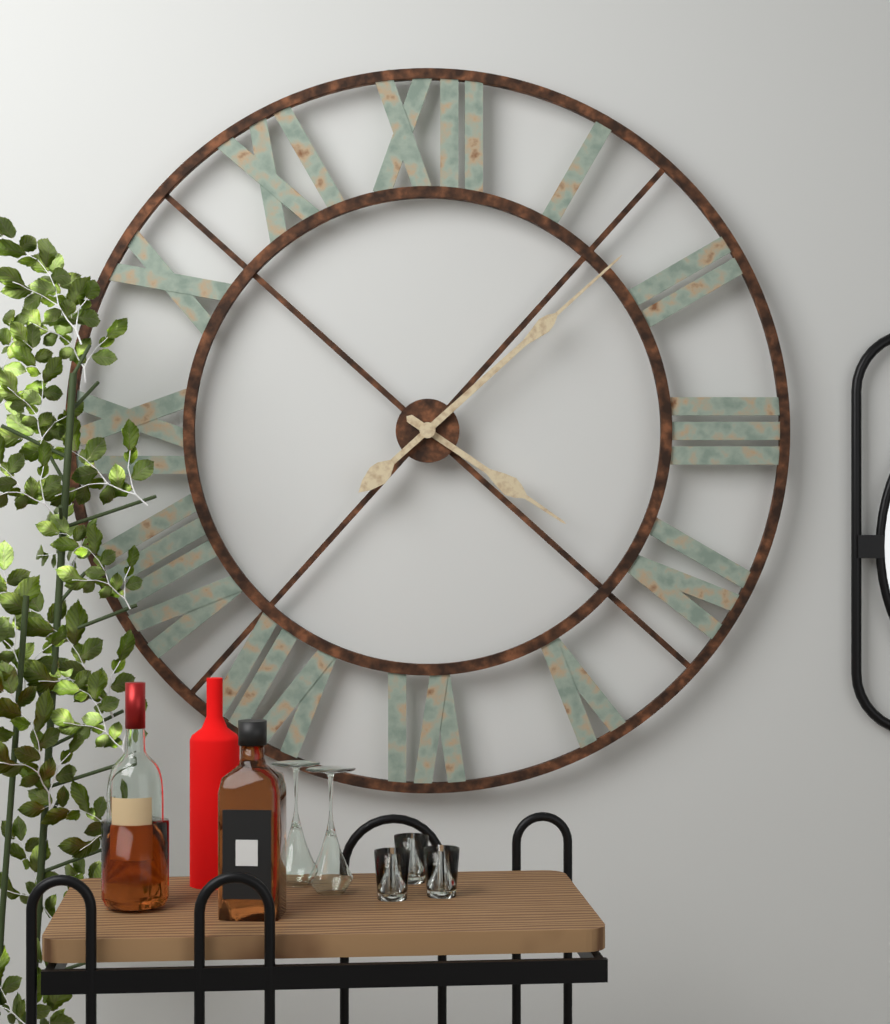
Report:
**4:08**
